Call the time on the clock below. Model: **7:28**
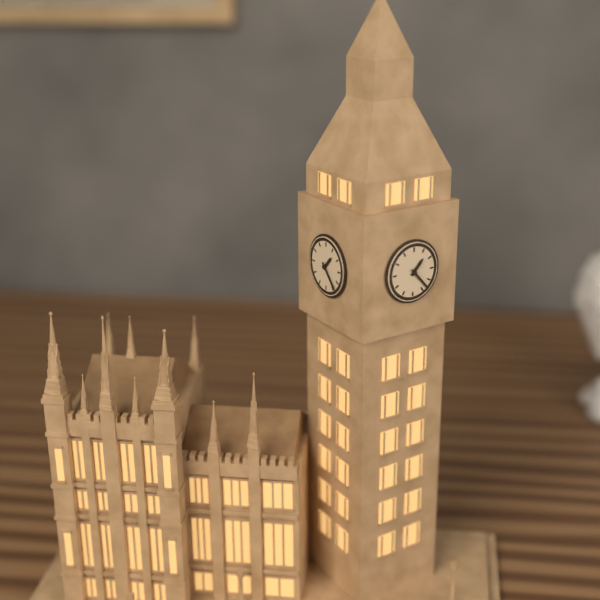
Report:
**1:23**
